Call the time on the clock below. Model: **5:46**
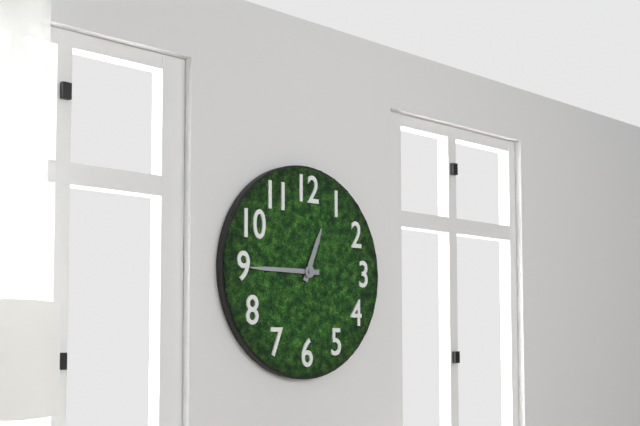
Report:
**12:45**
